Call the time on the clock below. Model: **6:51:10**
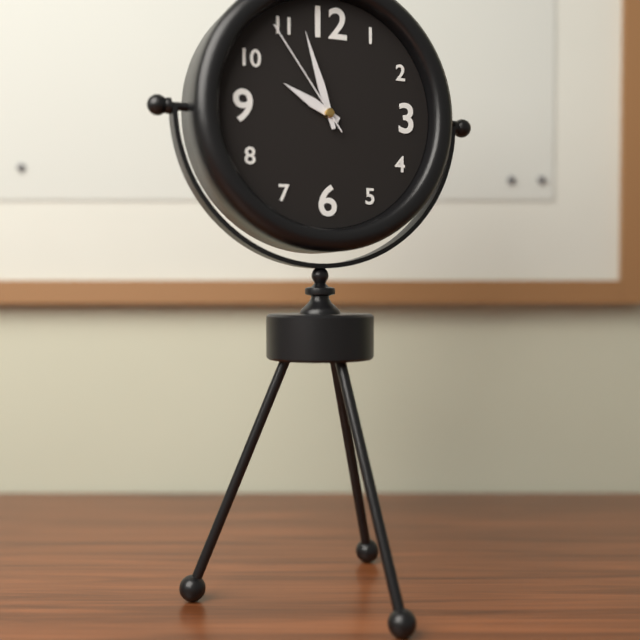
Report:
**9:57:54**
